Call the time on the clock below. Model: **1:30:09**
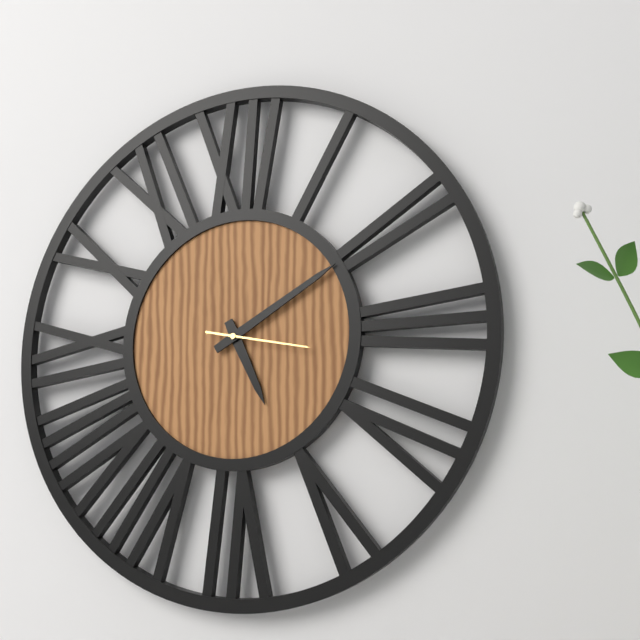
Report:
**5:10:17**
